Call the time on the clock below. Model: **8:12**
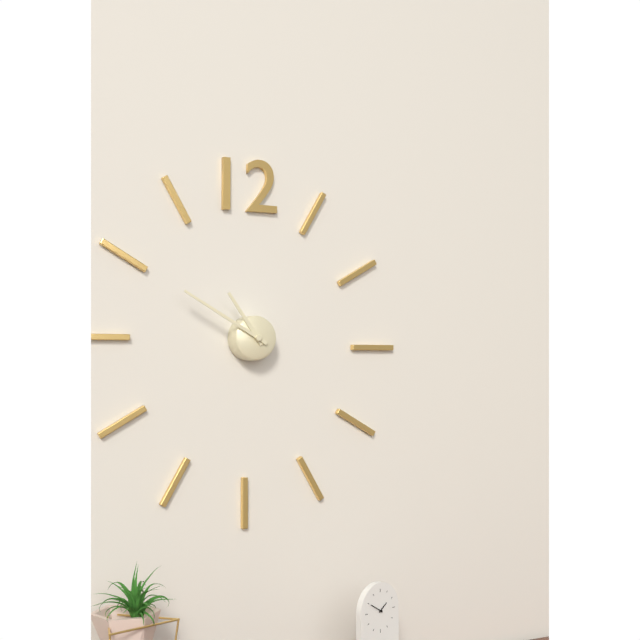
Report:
**10:50**
